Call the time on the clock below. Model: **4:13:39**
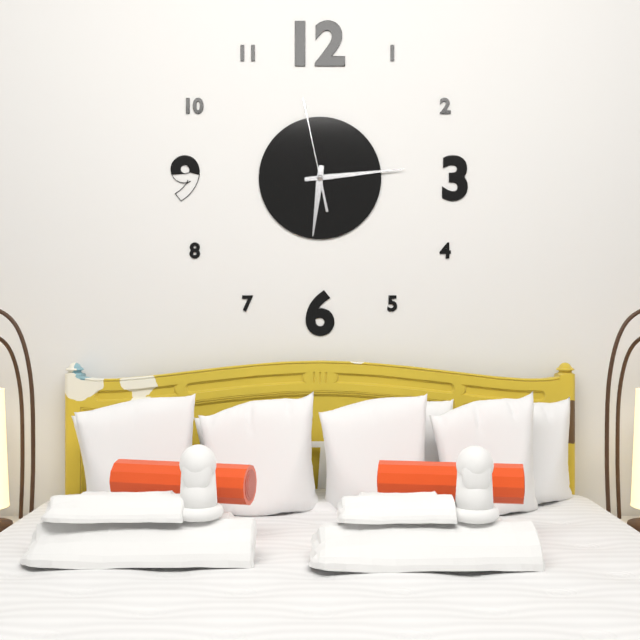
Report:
**6:14:58**
